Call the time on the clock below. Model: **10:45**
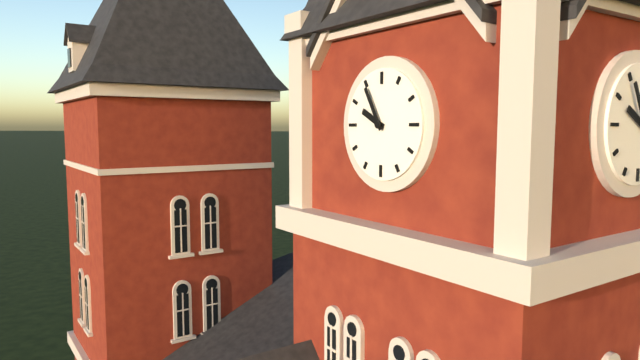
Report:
**9:55**
